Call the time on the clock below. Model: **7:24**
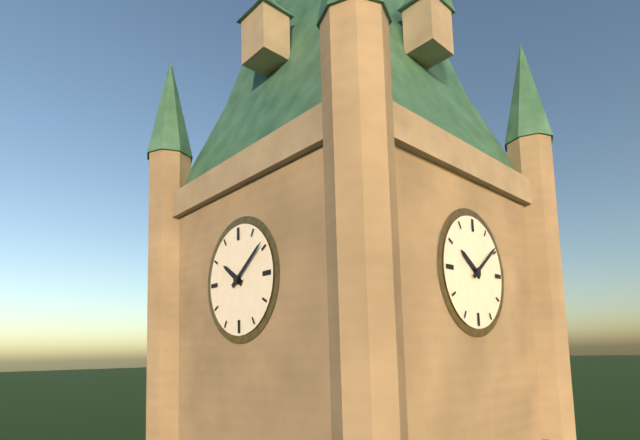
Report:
**10:09**
